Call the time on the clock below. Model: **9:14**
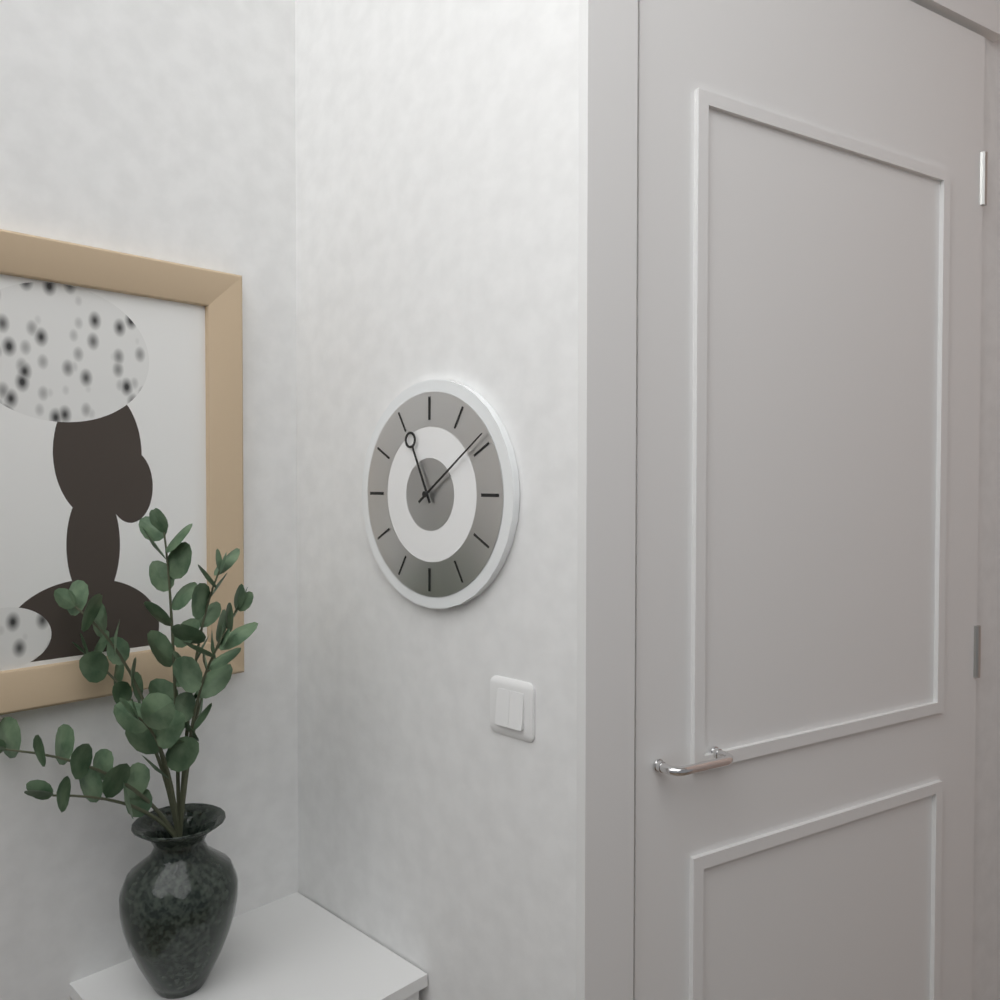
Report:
**11:09**
